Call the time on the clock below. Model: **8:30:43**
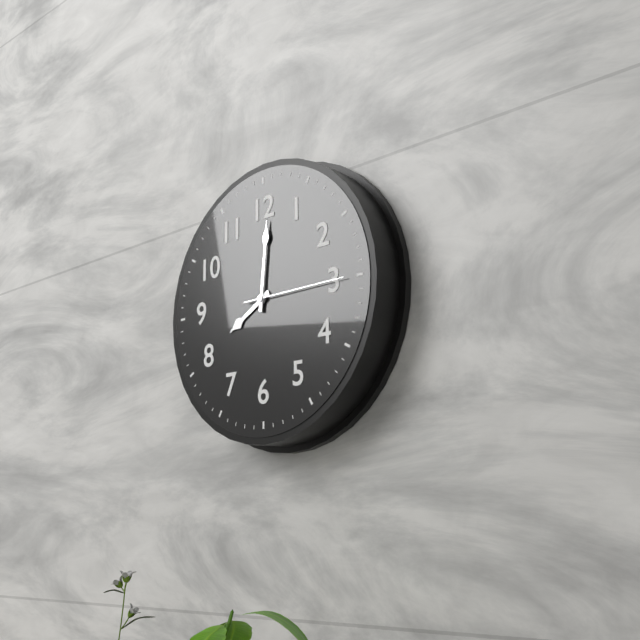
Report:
**8:01:15**
